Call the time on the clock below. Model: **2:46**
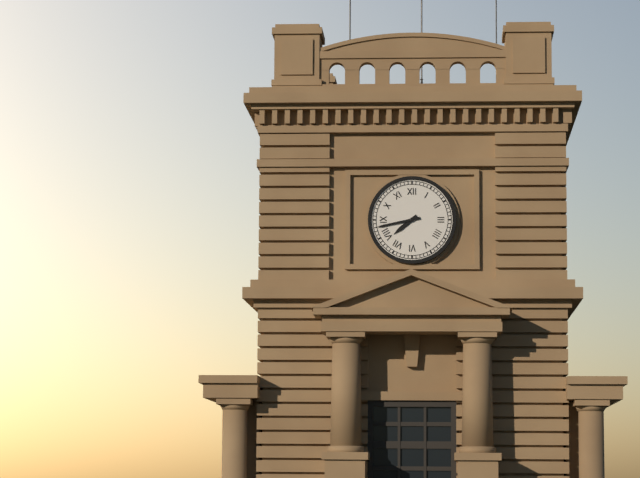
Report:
**7:43**
